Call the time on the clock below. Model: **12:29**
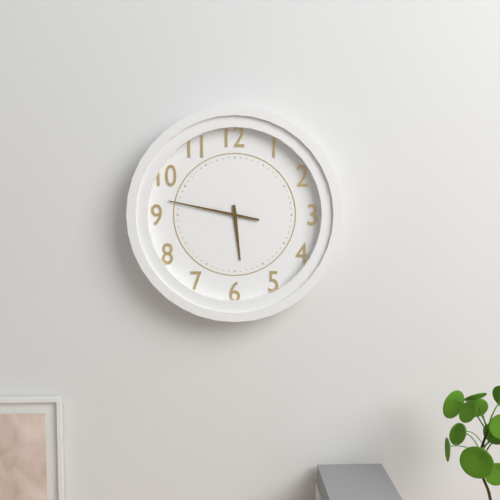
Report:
**5:47**
